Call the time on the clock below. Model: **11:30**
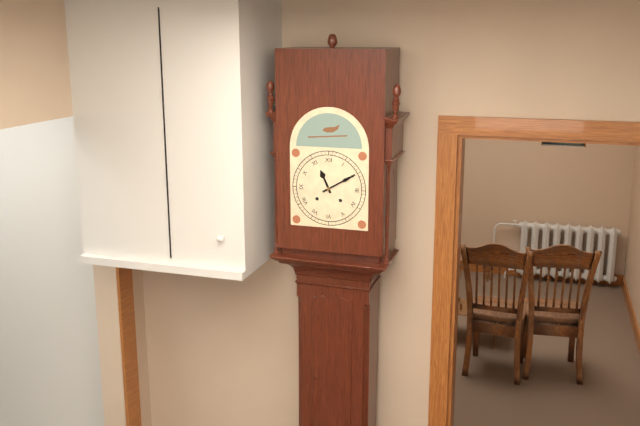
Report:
**11:10**
